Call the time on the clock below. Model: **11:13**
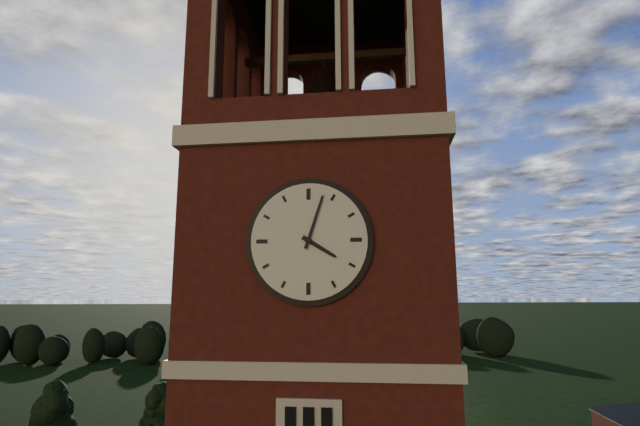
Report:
**4:03**
